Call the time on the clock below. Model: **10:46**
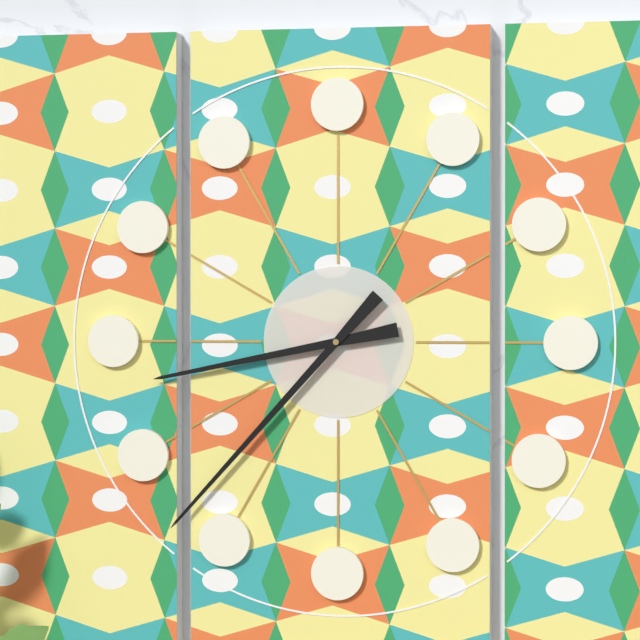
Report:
**8:37**
